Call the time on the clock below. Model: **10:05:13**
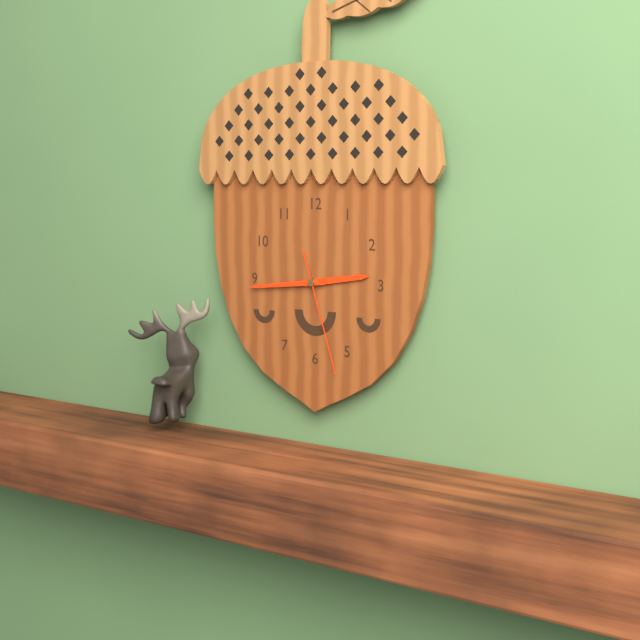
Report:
**2:44:27**
